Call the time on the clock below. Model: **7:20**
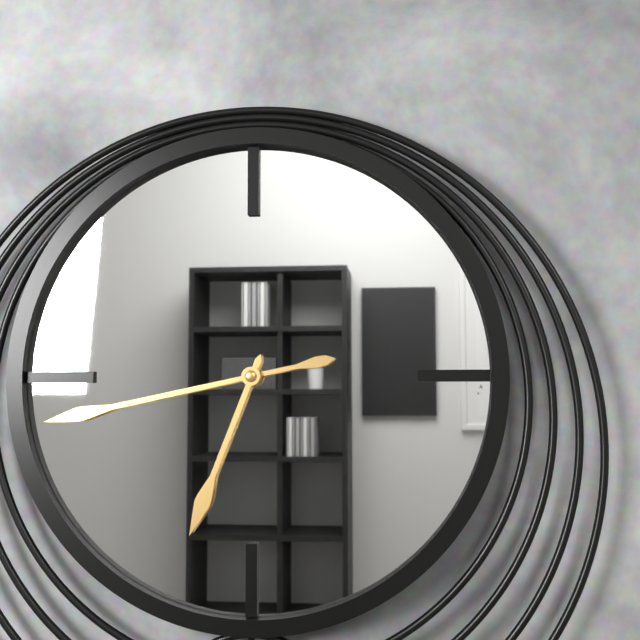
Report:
**6:43**
